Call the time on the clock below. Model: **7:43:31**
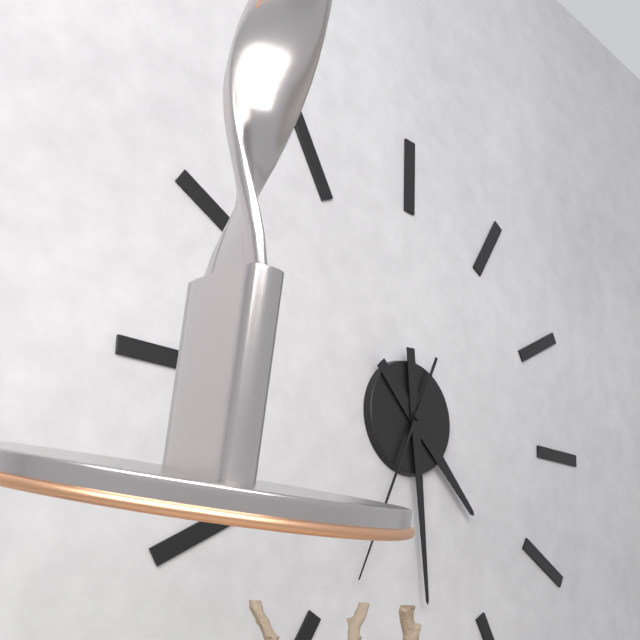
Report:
**4:29:34**
